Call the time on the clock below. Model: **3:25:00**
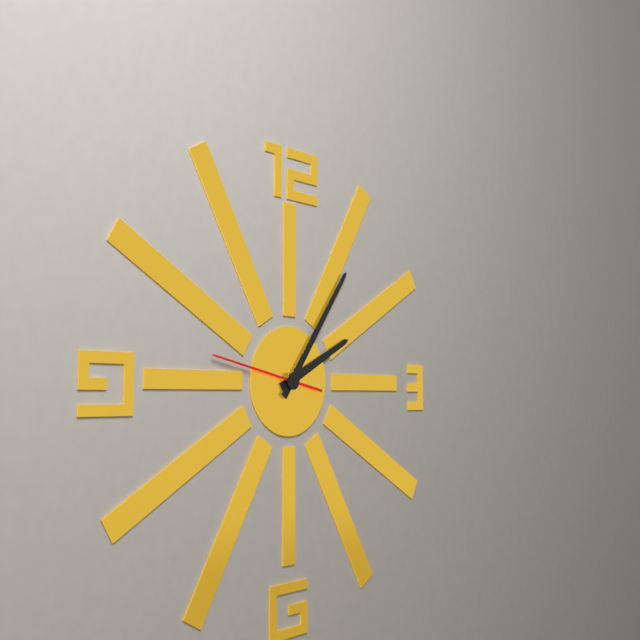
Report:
**2:06:47**
